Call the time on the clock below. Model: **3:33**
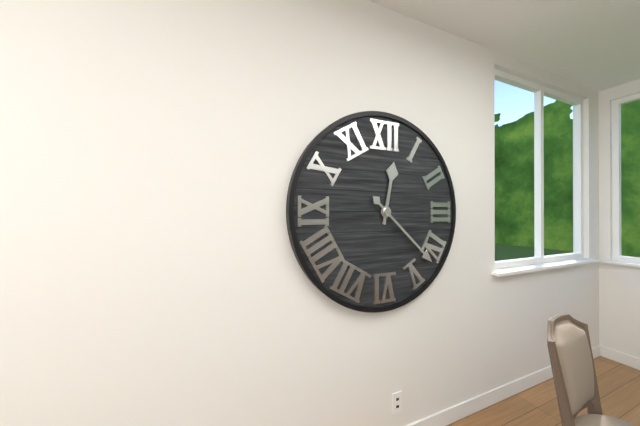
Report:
**12:22**
